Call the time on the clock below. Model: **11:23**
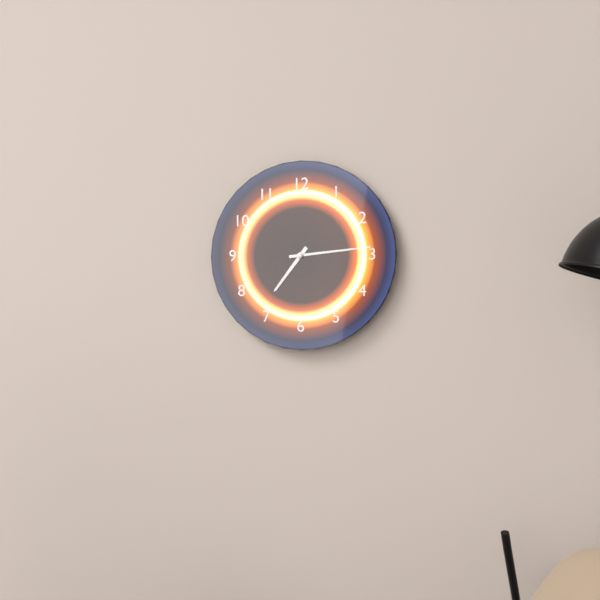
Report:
**7:14**
